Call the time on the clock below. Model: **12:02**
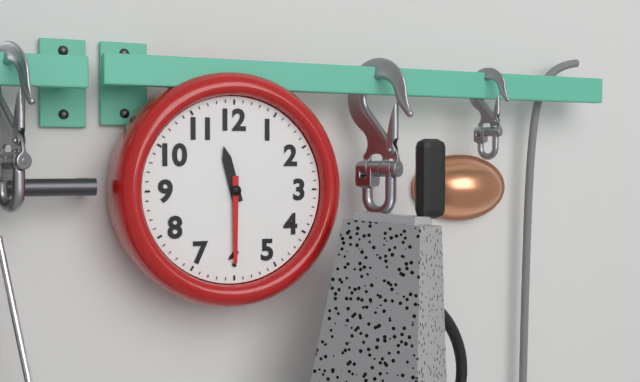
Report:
**11:30**
